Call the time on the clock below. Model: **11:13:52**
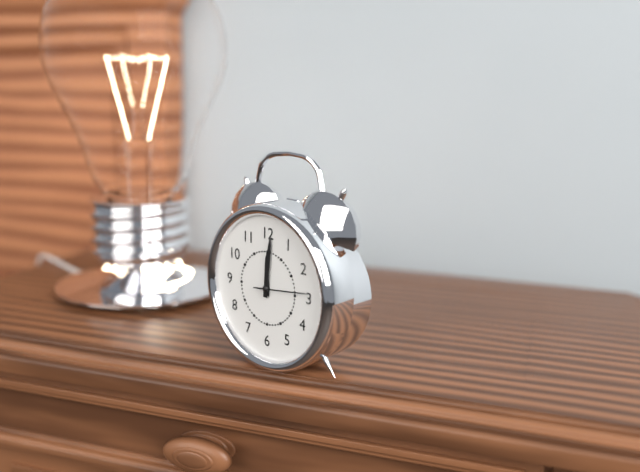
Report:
**12:01:14**
